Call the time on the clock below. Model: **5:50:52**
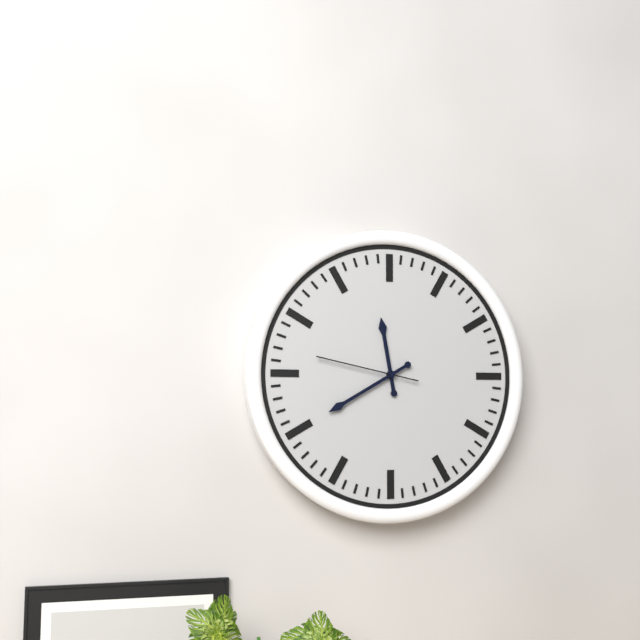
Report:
**11:40:47**
